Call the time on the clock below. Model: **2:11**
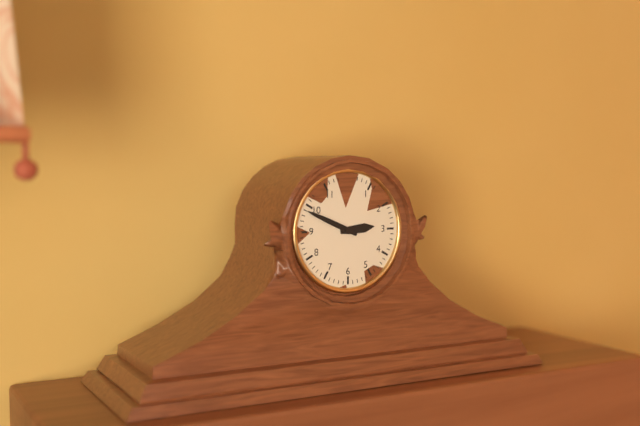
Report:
**2:49**
